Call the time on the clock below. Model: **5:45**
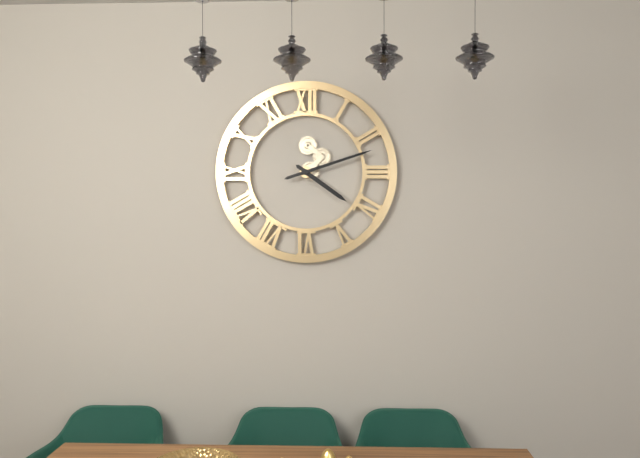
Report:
**4:12**
